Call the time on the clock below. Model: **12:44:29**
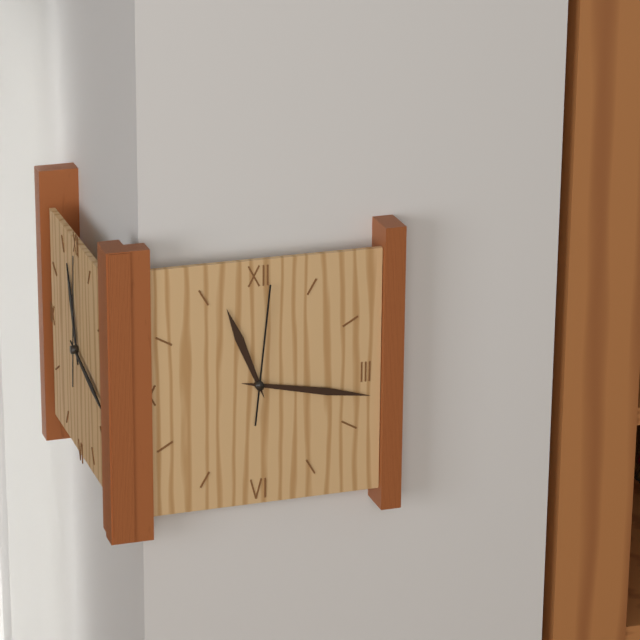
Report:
**11:17:01**
